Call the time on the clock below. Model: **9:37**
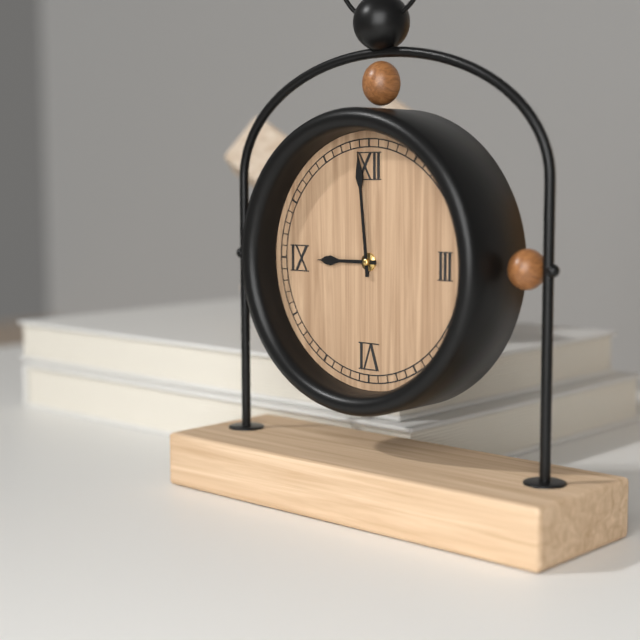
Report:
**8:59**
